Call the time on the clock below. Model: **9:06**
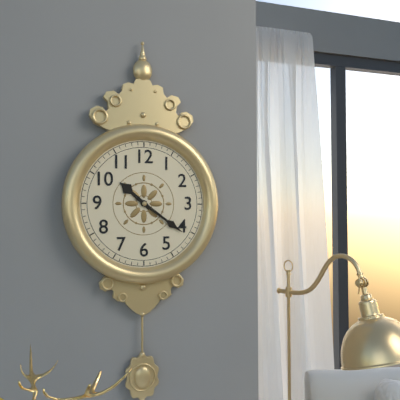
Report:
**10:21**
